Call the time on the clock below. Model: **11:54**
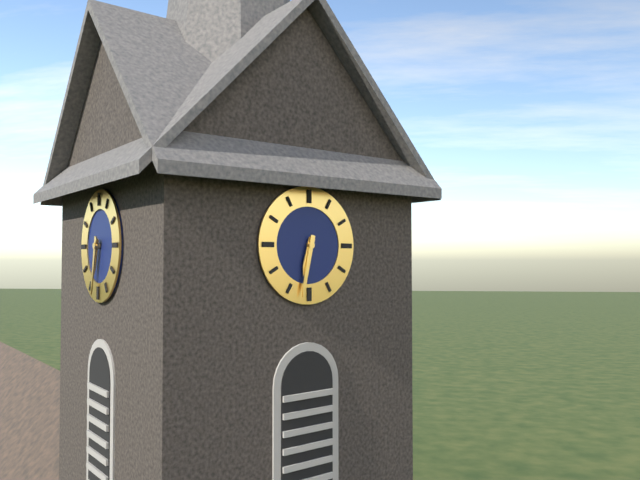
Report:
**6:32**
